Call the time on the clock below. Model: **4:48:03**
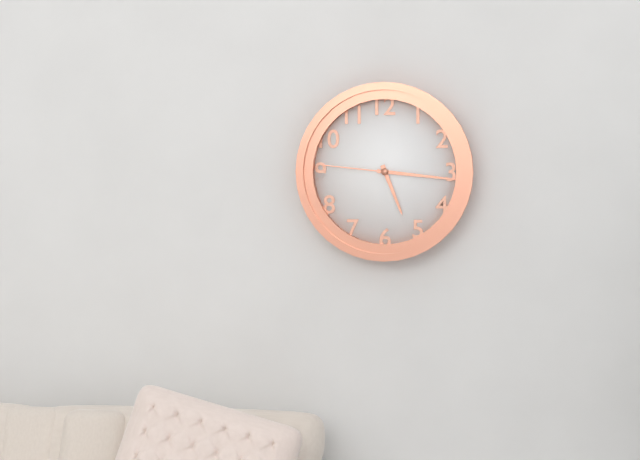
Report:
**5:16:46**
